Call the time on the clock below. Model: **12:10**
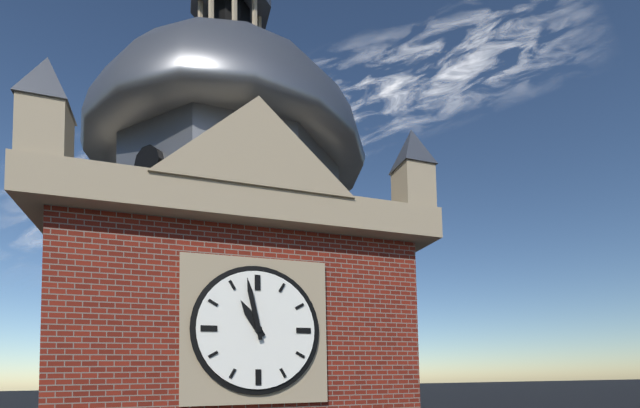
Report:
**10:58**
